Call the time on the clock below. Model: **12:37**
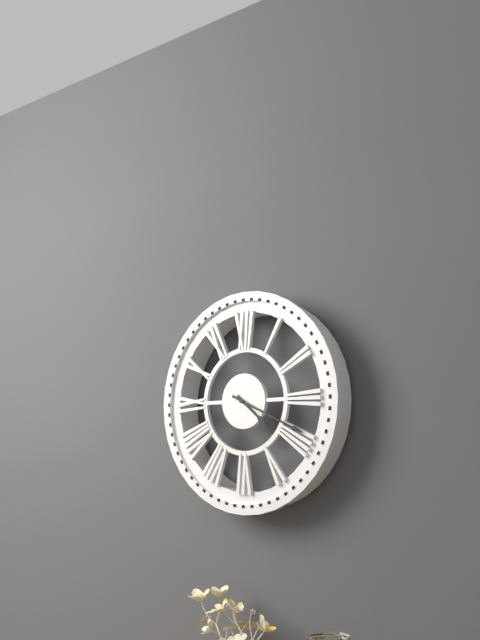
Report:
**4:19**
